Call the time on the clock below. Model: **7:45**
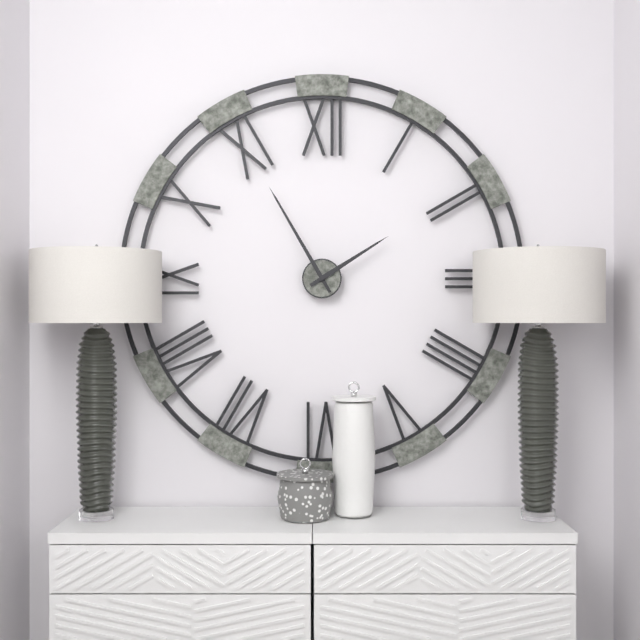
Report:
**1:55**
